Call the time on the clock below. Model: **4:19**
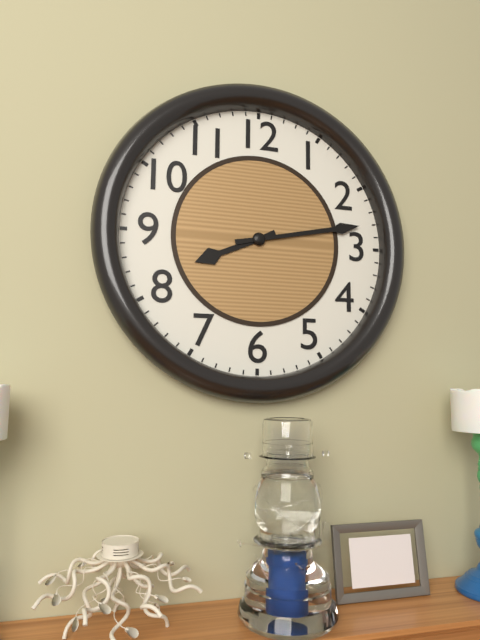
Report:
**8:13**
